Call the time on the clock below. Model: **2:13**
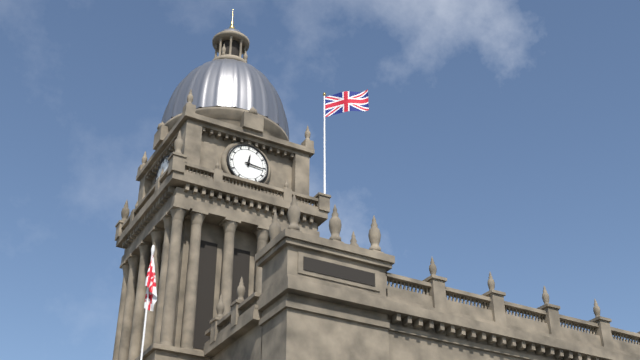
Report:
**12:16**
